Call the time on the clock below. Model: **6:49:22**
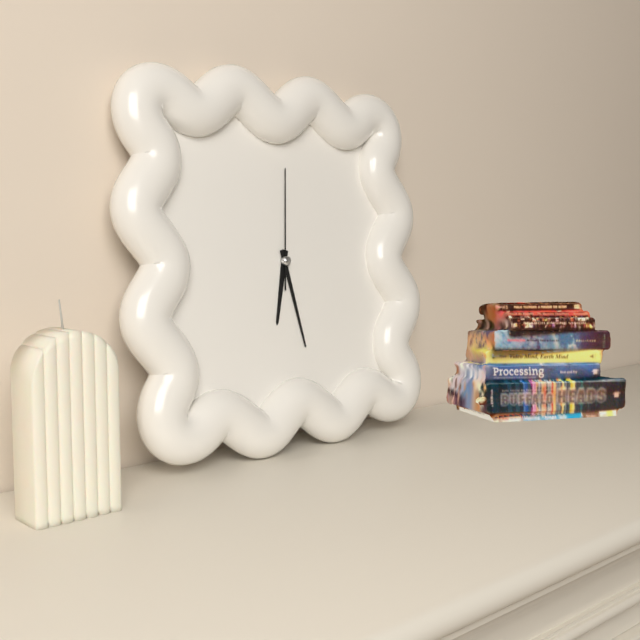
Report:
**6:28:01**
